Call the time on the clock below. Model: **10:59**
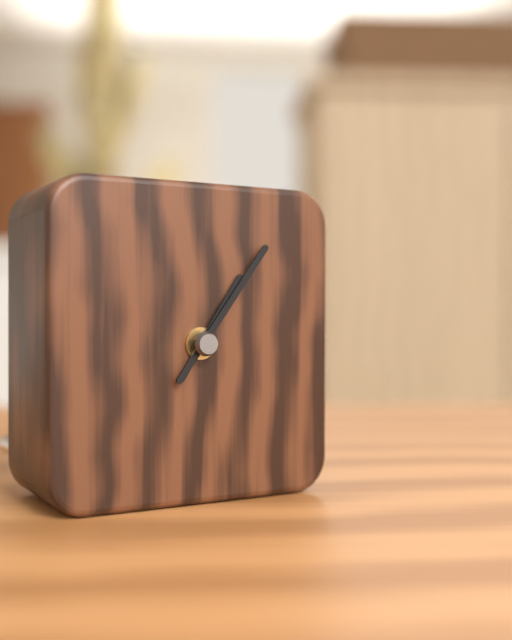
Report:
**1:06**
